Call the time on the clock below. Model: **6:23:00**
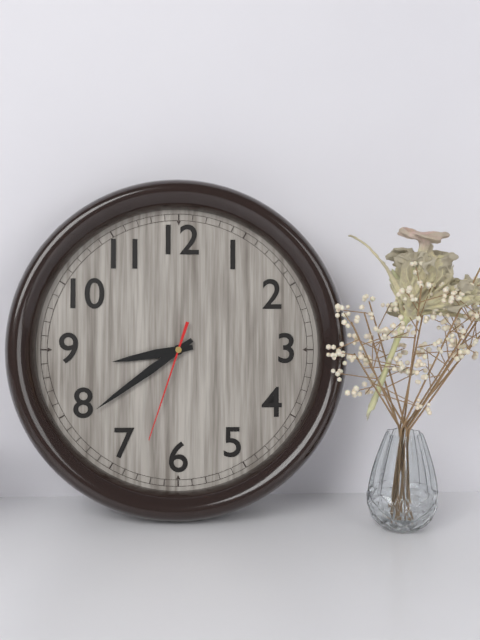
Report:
**8:39:33**
